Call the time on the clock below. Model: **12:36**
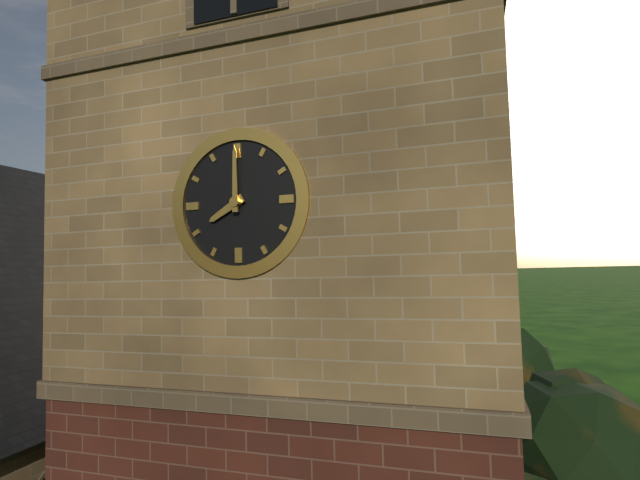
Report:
**8:00**
